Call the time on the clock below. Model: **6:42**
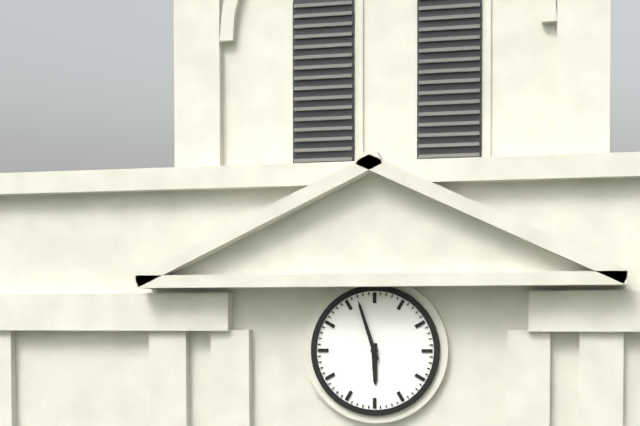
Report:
**5:57**
